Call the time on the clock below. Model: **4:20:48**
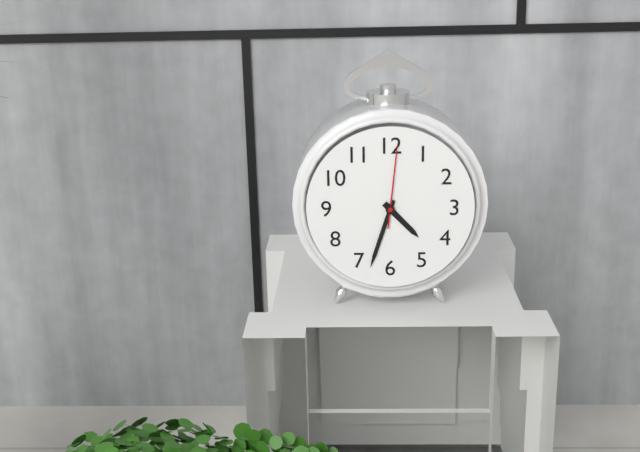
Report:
**4:33:01**
